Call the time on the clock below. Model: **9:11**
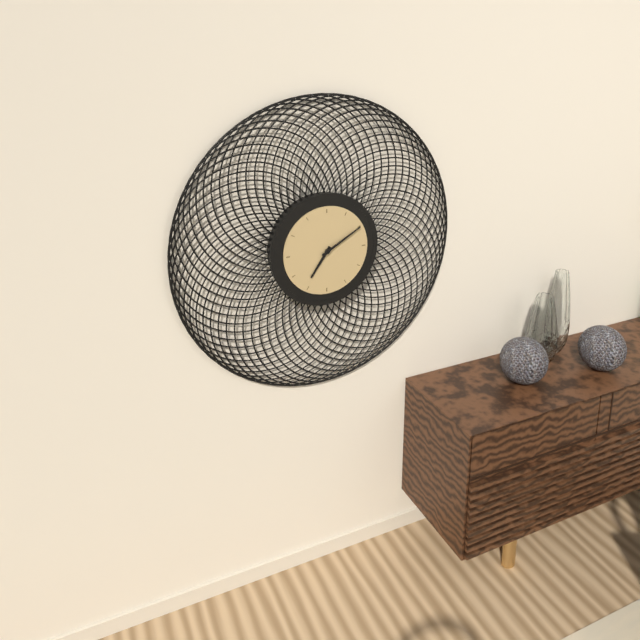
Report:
**7:10**
